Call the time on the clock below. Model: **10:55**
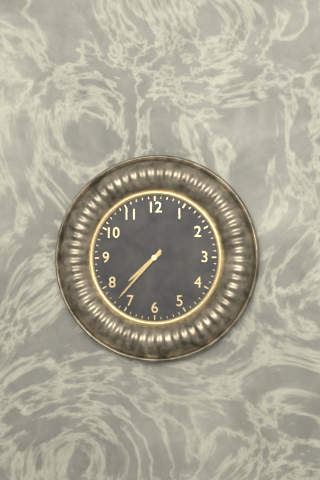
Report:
**7:37**
